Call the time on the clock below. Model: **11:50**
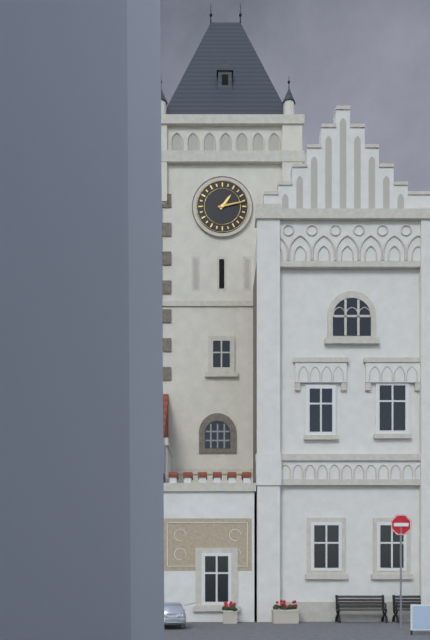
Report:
**1:13**
